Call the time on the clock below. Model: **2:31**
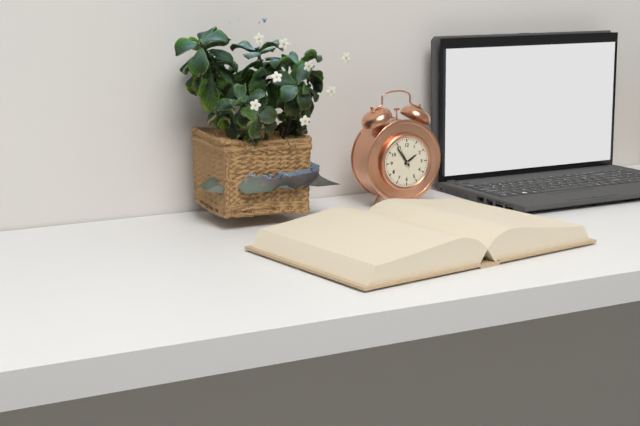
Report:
**1:54**
